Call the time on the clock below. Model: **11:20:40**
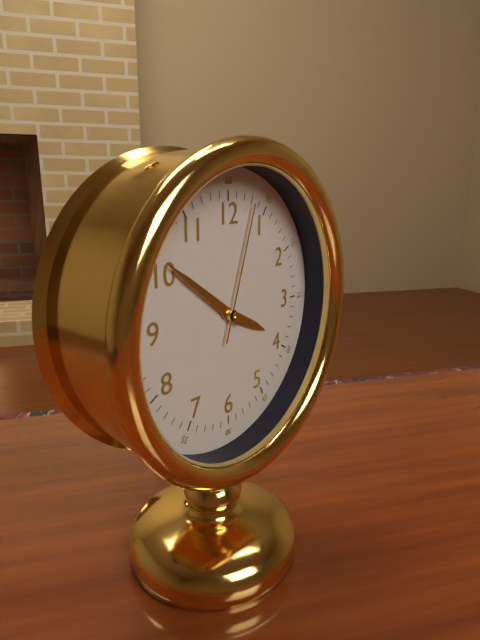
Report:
**3:51:03**
